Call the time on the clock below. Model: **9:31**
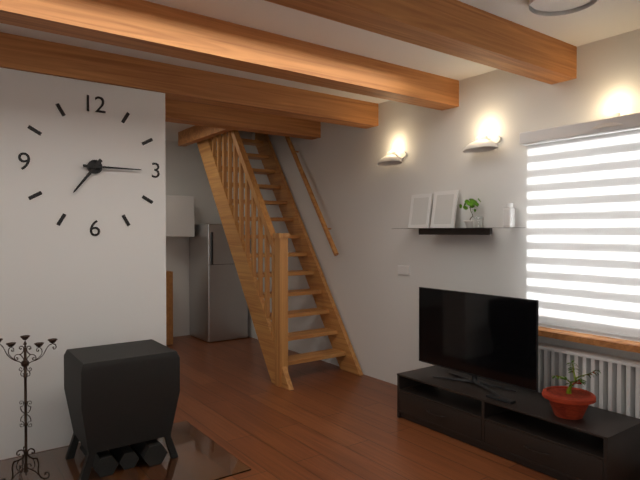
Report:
**7:15**
